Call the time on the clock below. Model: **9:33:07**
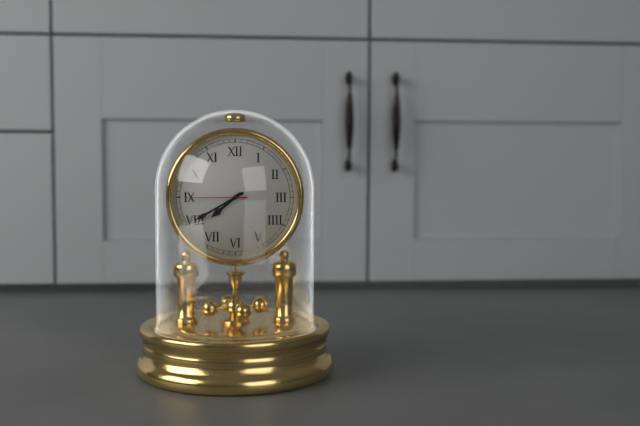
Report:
**7:40:45**
